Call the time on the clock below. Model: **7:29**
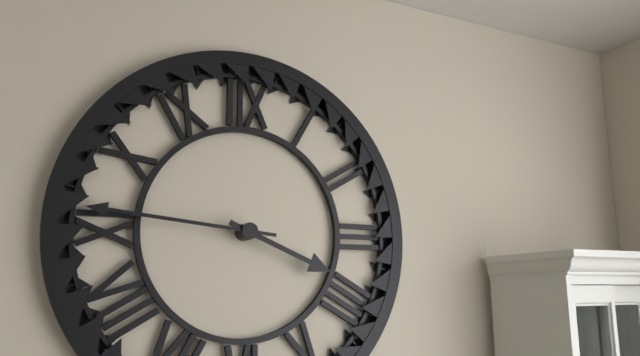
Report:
**3:46**
